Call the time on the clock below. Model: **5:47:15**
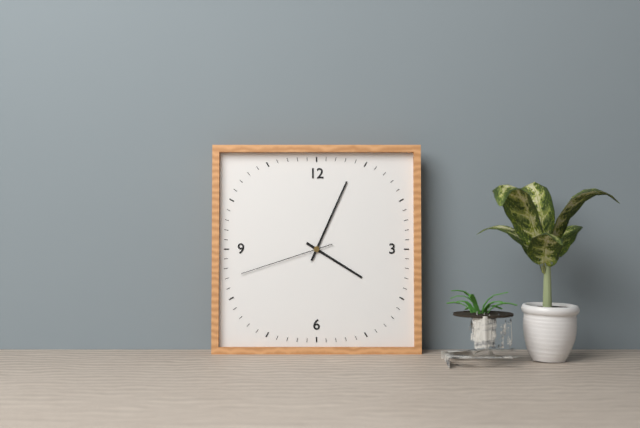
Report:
**4:04:42**
